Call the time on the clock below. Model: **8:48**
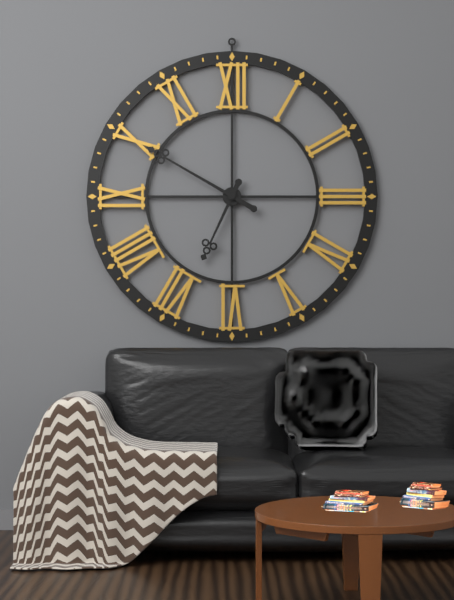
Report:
**6:50**
